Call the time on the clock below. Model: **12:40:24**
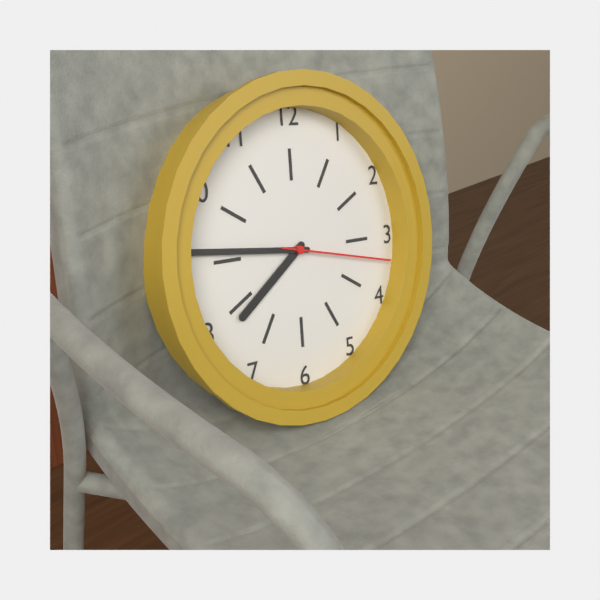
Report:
**7:46:17**
